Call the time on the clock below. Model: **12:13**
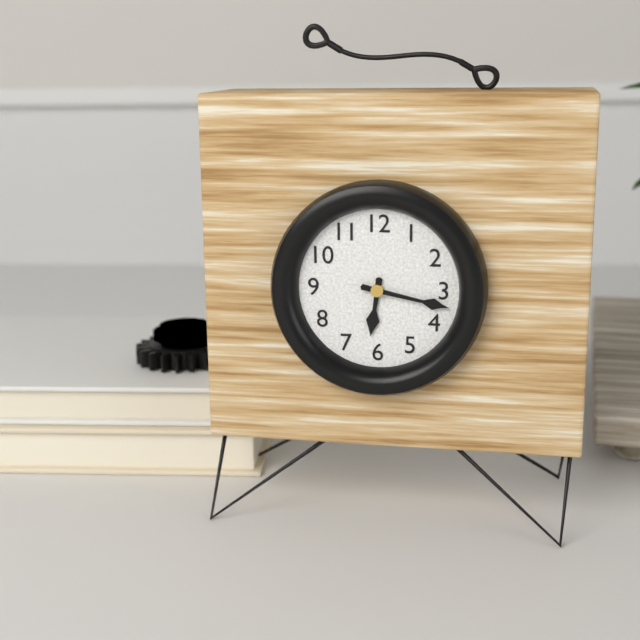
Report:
**6:17**
